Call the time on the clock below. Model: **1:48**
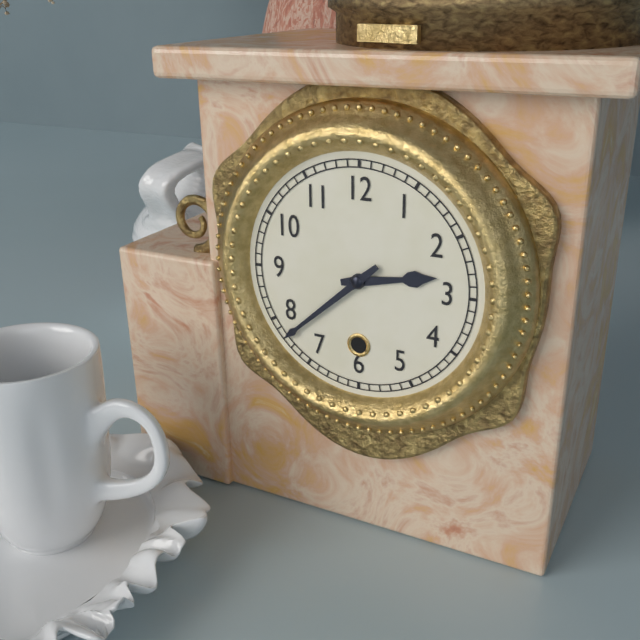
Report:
**2:38**
